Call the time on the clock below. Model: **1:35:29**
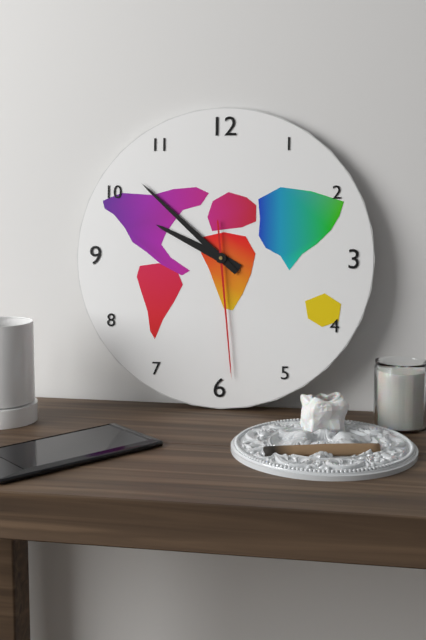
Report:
**9:52:29**
